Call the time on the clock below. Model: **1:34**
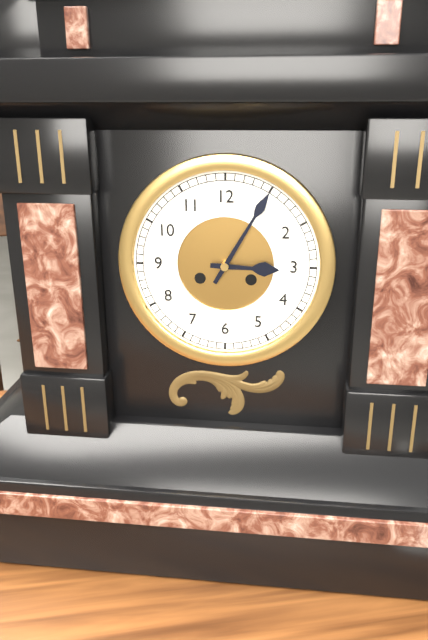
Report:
**3:05**
